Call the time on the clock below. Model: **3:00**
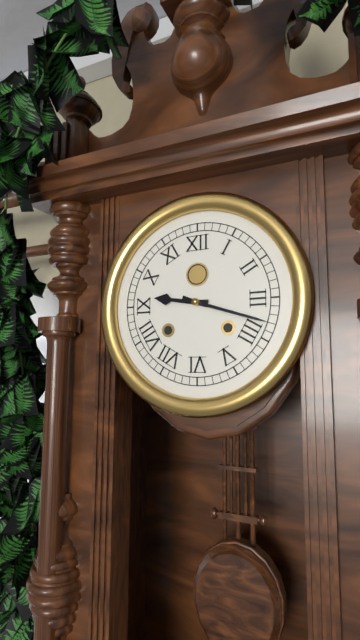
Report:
**9:18**
